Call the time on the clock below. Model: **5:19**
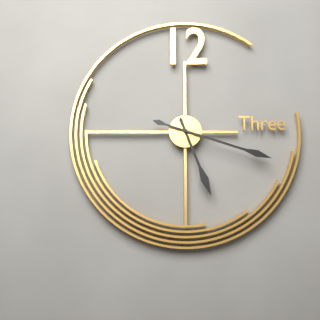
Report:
**5:18**
